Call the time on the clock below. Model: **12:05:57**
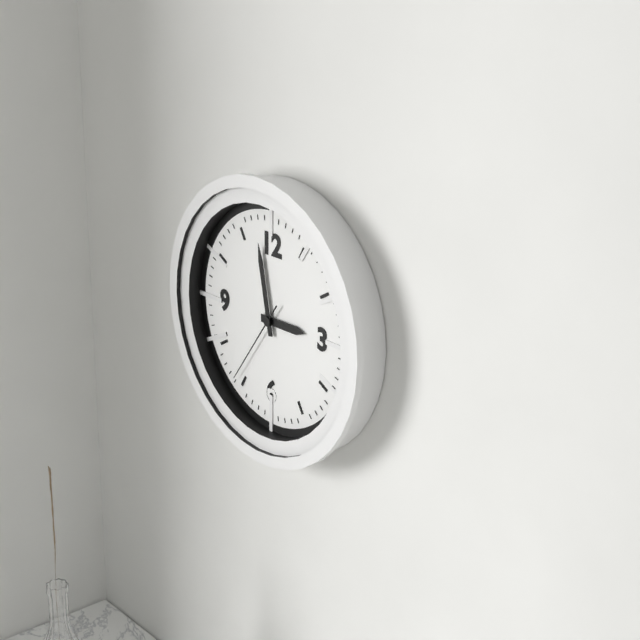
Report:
**2:58:36**
